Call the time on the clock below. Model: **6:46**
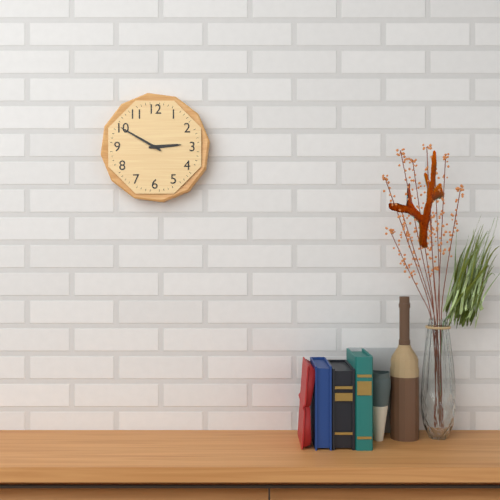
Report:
**2:50**
